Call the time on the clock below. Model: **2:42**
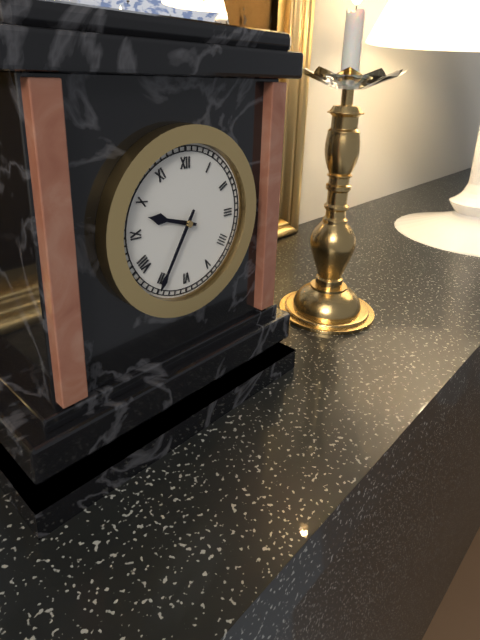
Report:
**9:35**
